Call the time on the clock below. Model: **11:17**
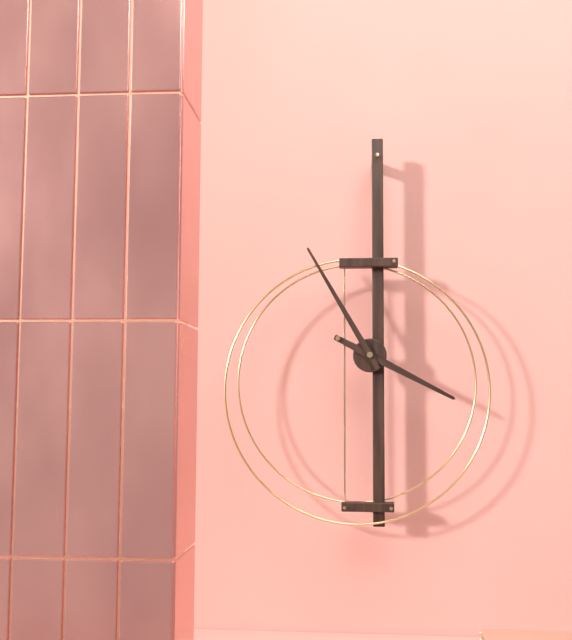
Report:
**3:55**
